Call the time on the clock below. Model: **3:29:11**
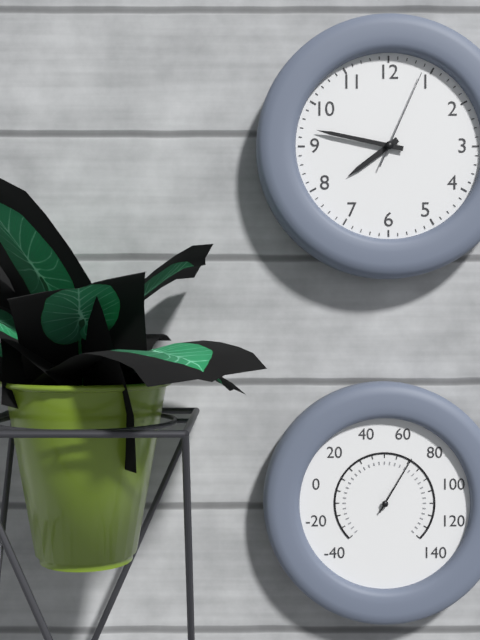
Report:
**7:47:04**
